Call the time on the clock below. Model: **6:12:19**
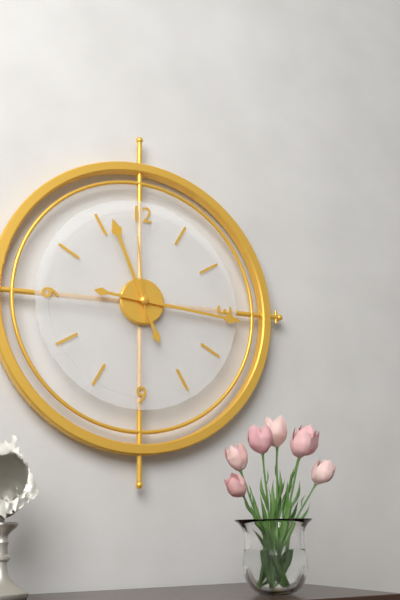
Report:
**11:16:59**
